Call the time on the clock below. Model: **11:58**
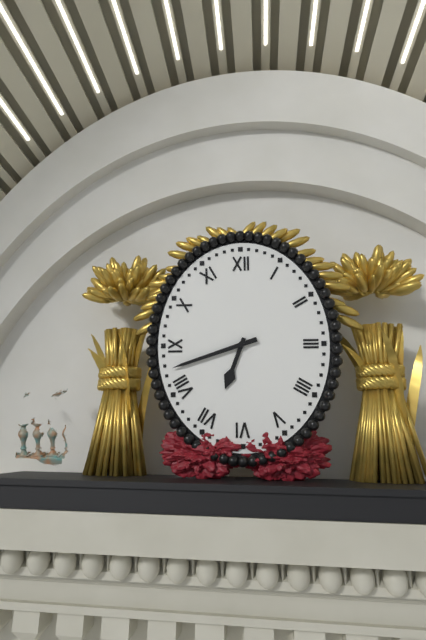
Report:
**6:42**
